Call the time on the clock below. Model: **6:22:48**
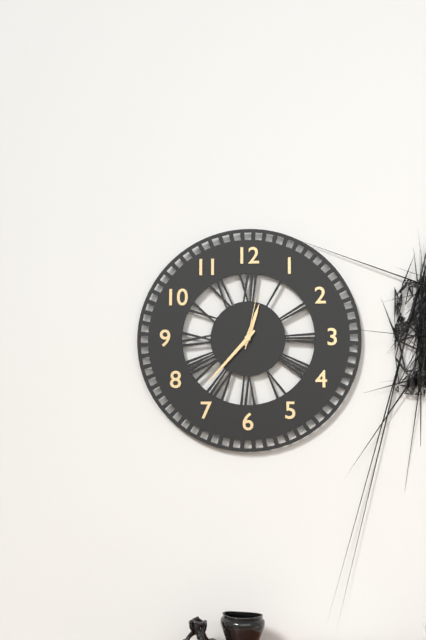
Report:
**12:37:02**
